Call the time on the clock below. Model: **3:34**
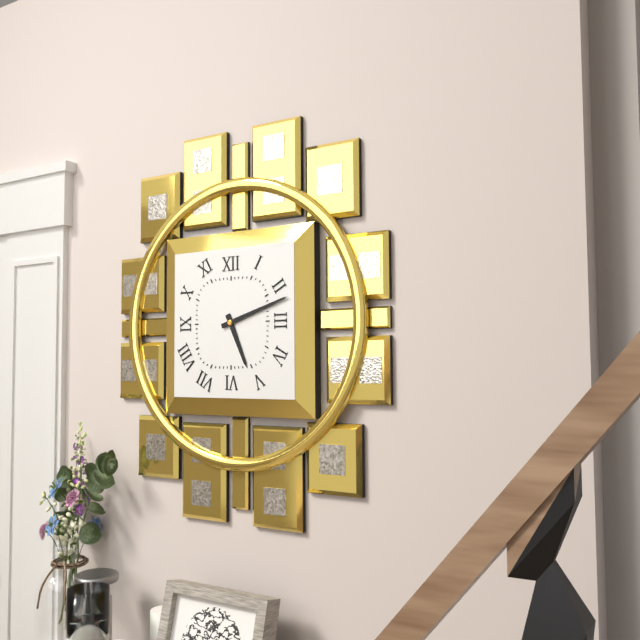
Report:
**5:12**
